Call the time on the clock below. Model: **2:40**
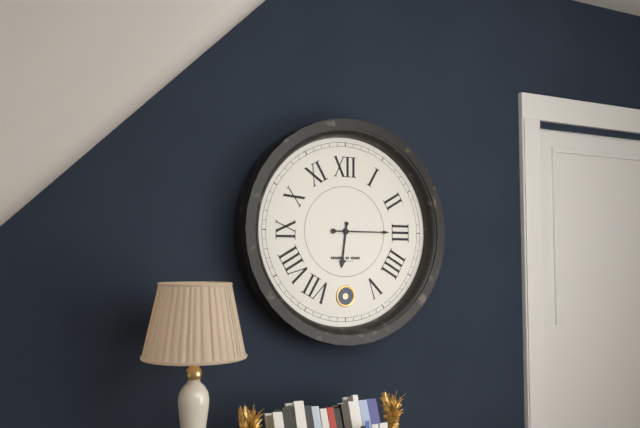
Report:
**6:15**
